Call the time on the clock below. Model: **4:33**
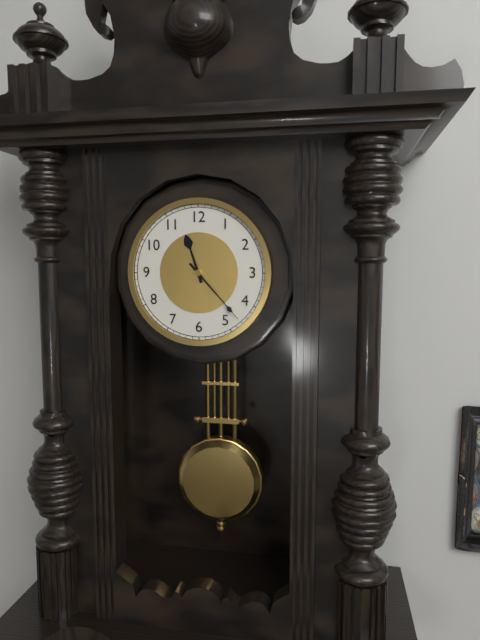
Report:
**11:23**
